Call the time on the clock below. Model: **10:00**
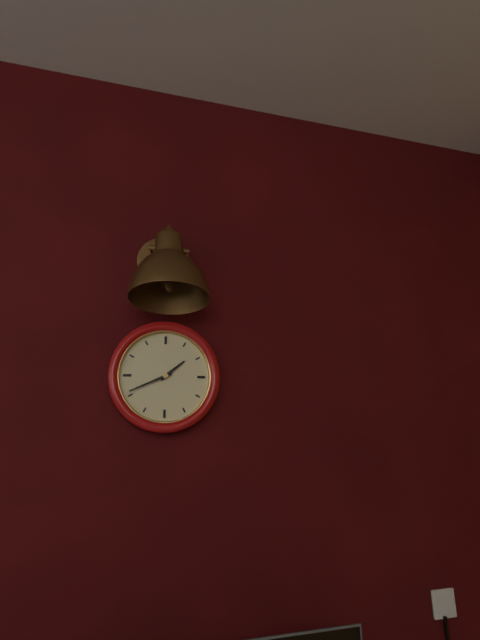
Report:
**1:41**
